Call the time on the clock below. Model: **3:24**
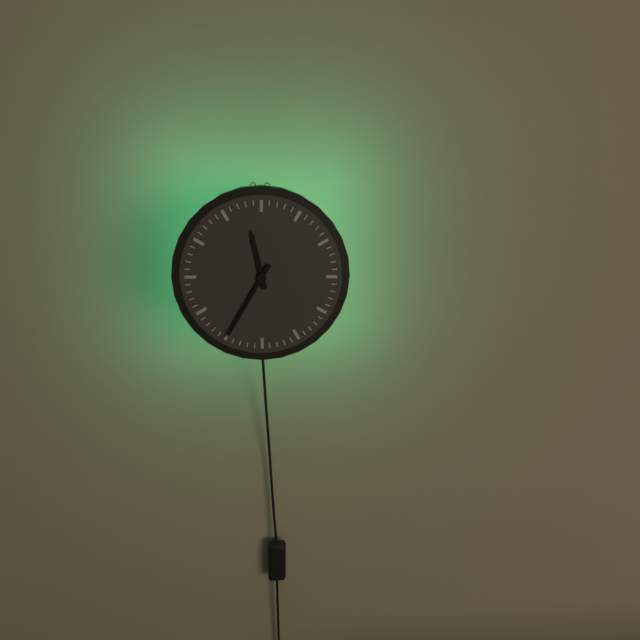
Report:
**11:35**
